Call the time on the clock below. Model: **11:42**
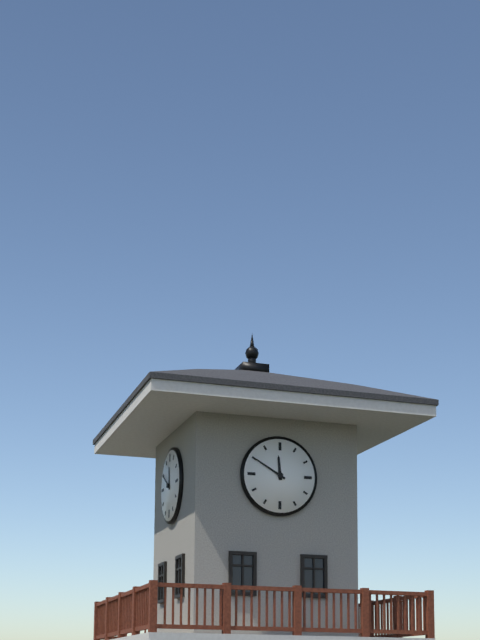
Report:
**11:50**
